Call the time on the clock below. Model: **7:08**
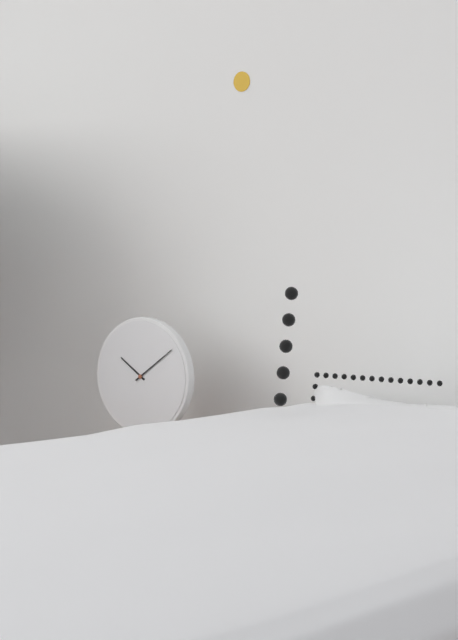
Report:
**10:09**
